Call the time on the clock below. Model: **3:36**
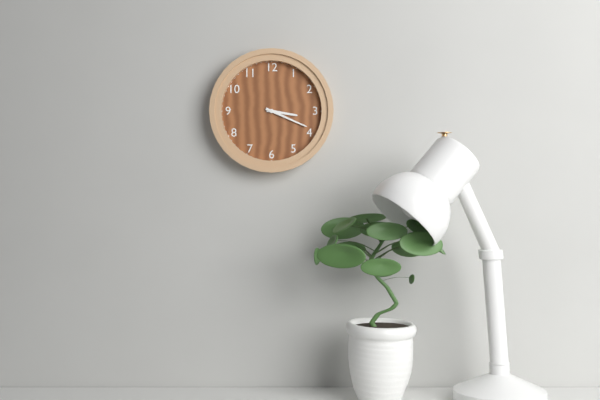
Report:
**3:19**
